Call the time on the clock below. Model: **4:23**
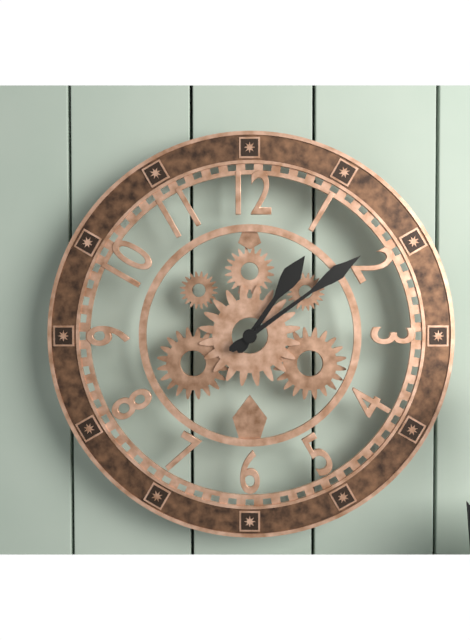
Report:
**1:09**
